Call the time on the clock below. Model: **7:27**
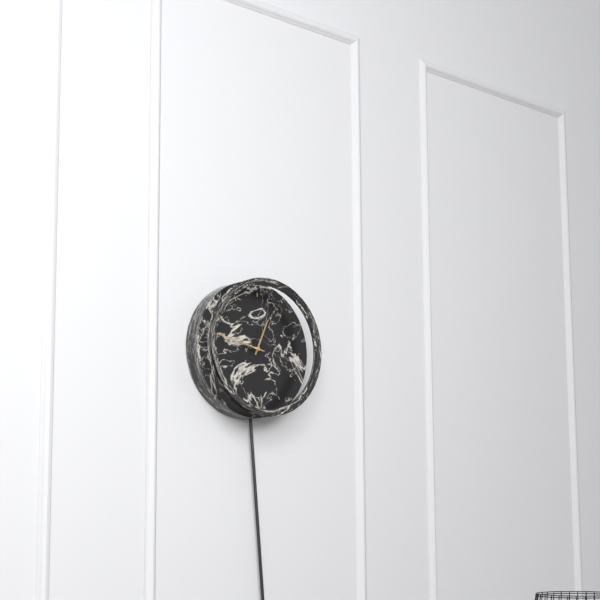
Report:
**12:47**
